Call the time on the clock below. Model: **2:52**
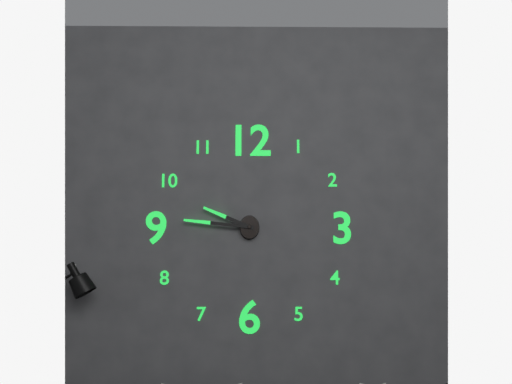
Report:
**9:46**
